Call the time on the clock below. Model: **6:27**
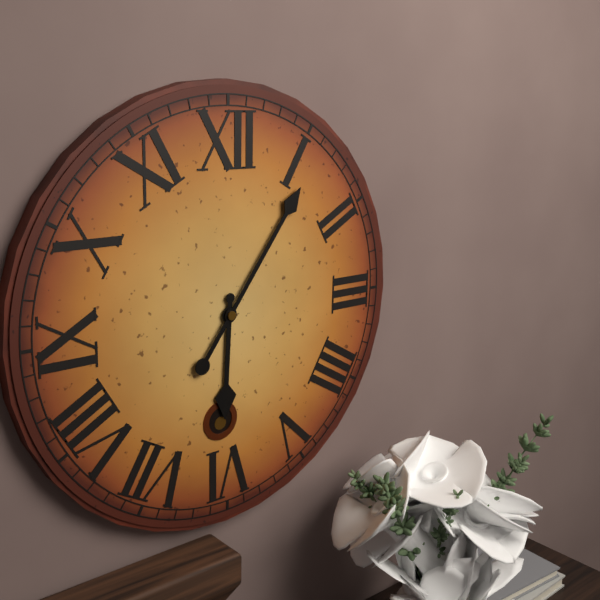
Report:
**6:06**
